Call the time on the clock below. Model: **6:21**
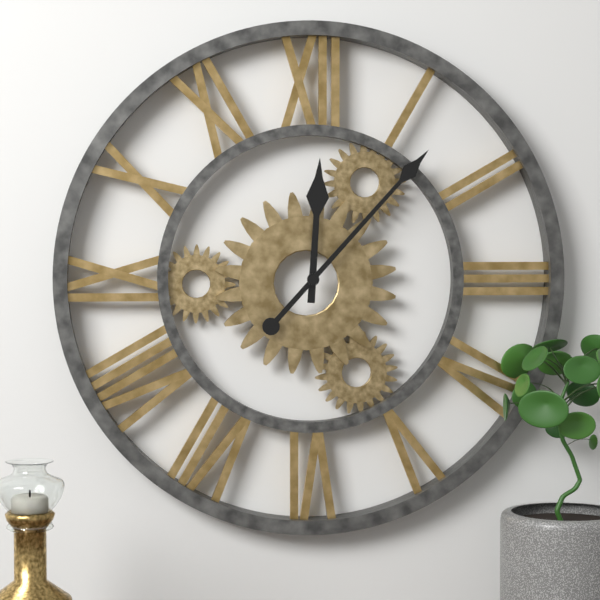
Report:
**12:07**
